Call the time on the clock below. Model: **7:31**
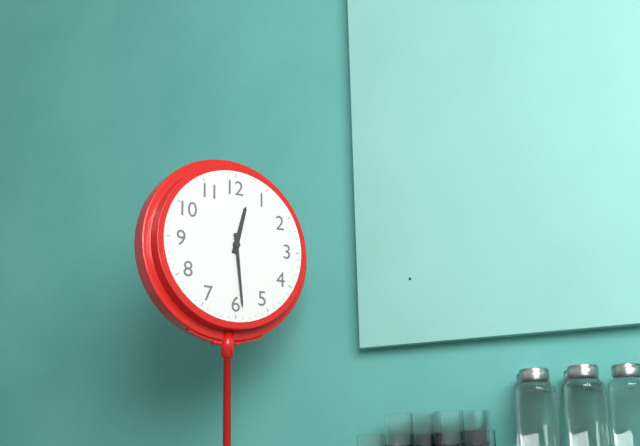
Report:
**12:29**
